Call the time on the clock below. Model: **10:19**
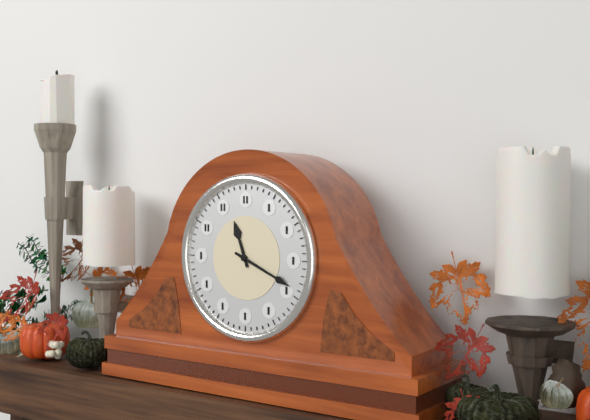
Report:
**11:19**
